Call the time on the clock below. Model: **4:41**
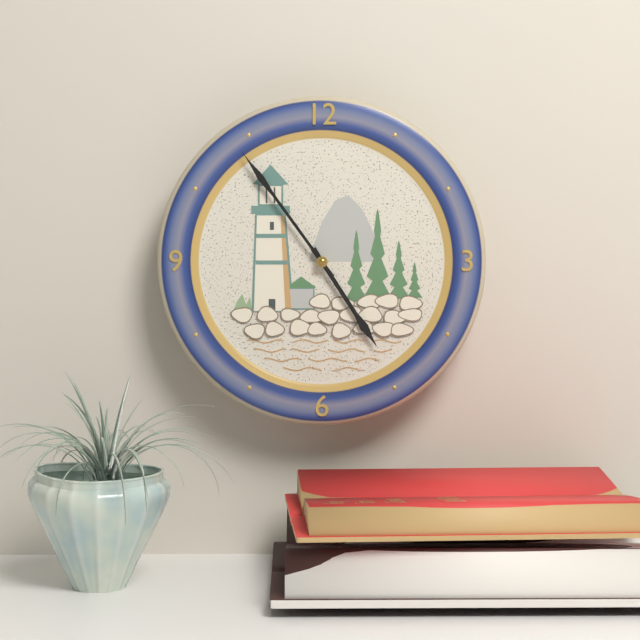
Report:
**4:54**
